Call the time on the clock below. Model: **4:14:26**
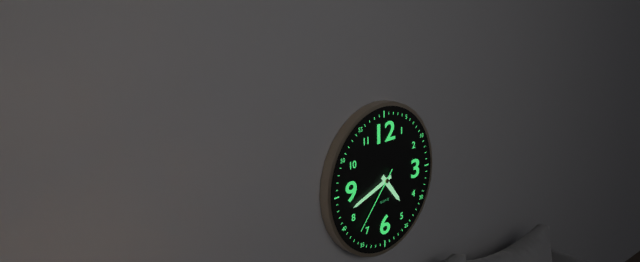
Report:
**4:42:37**
